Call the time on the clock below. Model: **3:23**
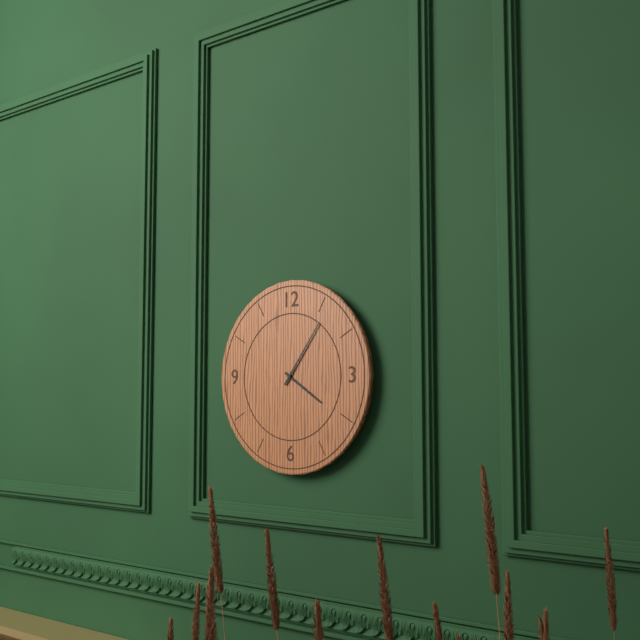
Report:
**4:06**
